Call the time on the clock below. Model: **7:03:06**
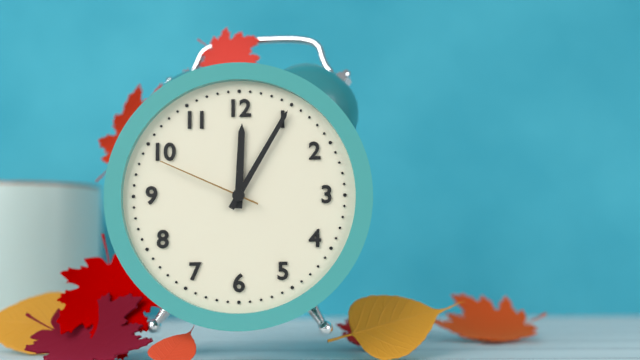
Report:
**12:05:49**
